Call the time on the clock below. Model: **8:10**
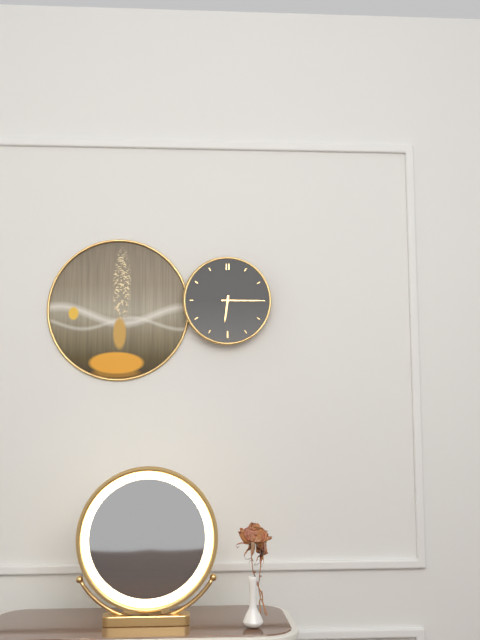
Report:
**6:15**
